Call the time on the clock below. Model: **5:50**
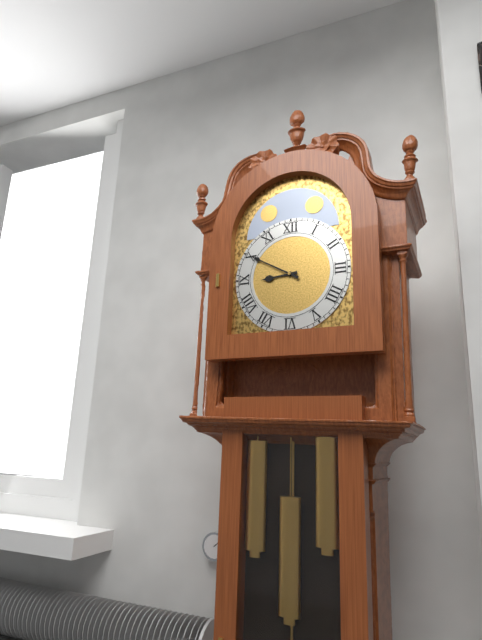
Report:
**8:50**
